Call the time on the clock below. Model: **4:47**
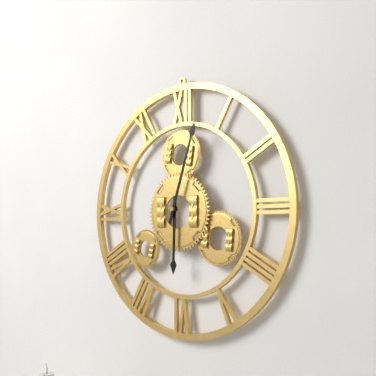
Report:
**6:03**
